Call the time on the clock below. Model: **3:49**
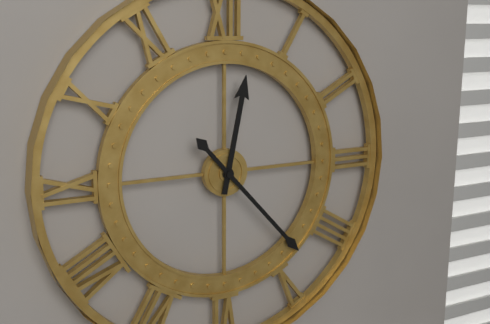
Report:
**12:23**
